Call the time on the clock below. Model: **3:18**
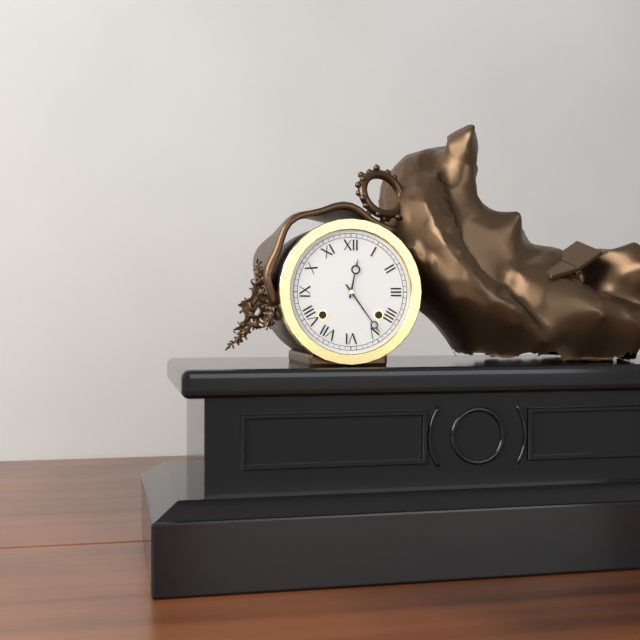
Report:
**12:24**
